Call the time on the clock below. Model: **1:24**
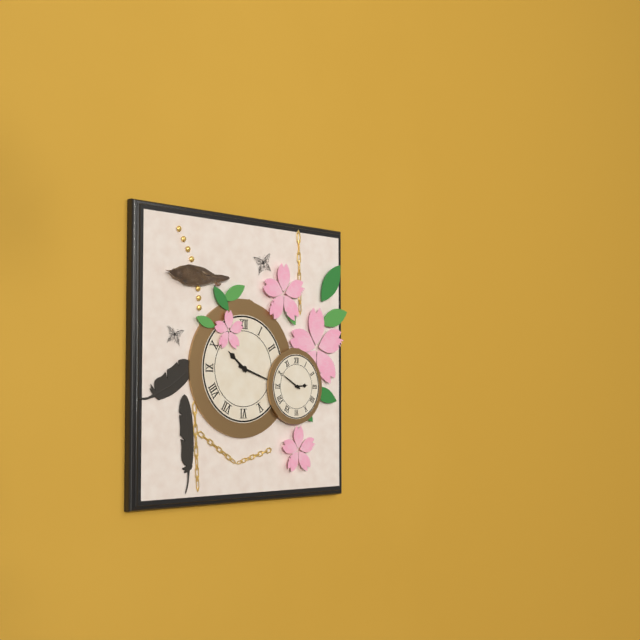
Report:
**10:18**
